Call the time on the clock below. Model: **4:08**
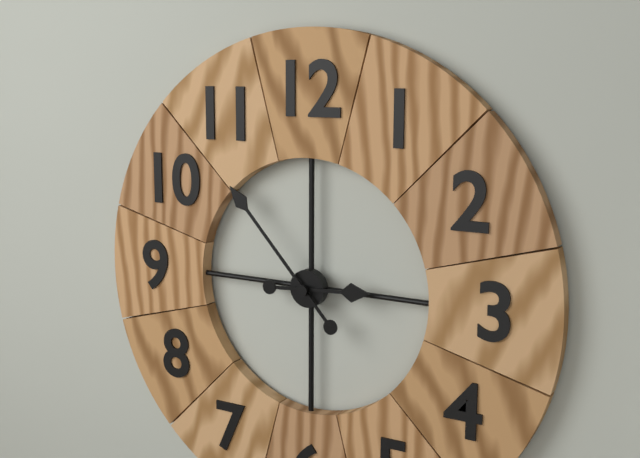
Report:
**2:53**
